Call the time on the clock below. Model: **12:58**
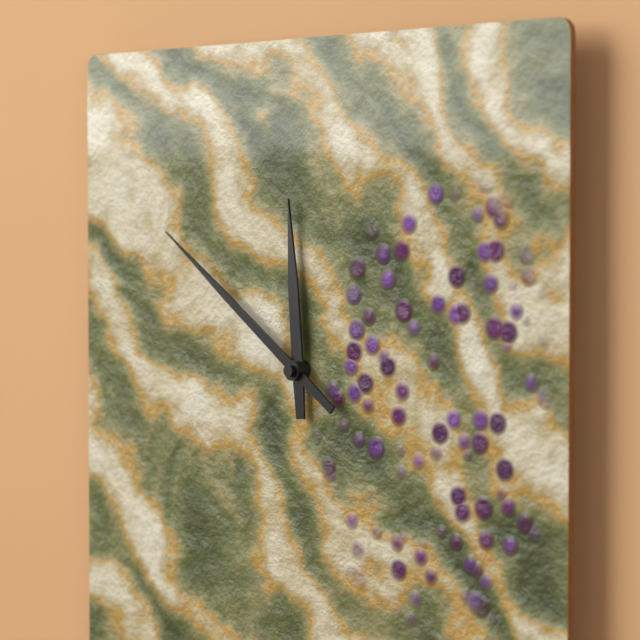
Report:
**11:51**
